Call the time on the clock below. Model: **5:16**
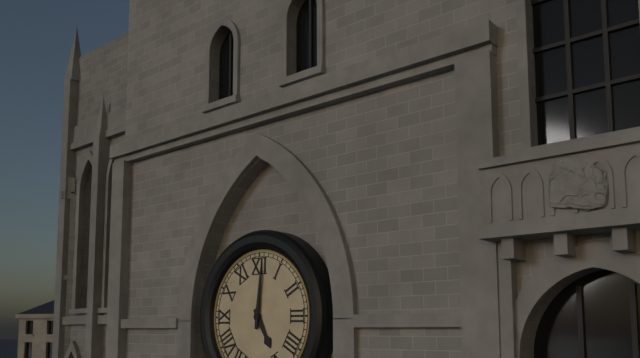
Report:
**5:01**
